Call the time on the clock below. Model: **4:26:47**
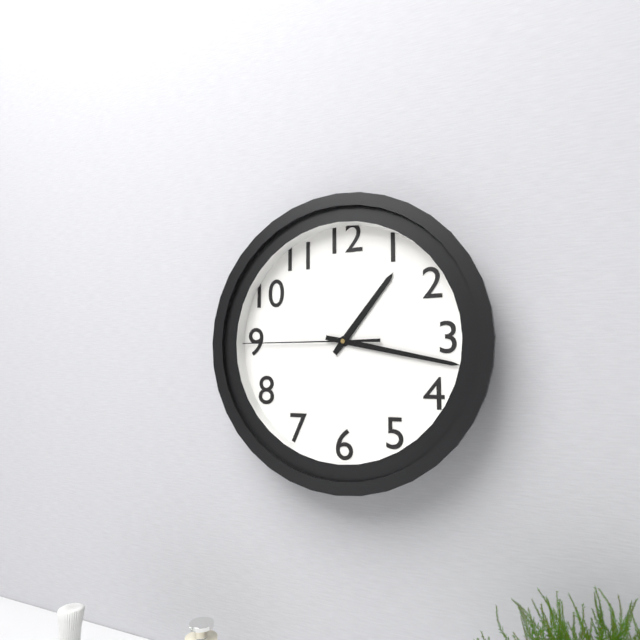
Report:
**1:17:45**
